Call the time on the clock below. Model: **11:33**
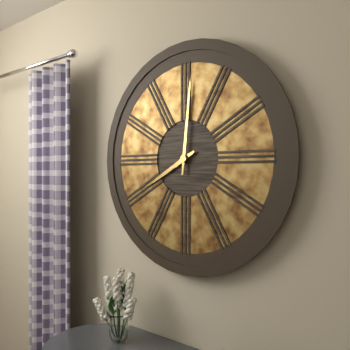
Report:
**8:01**
